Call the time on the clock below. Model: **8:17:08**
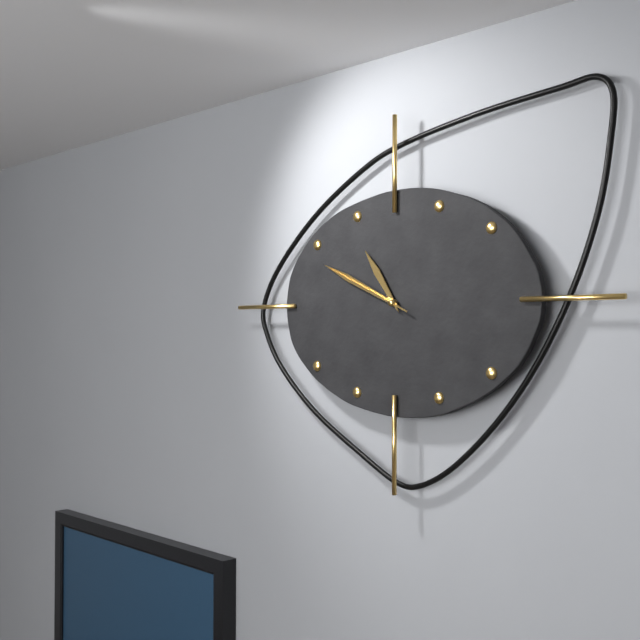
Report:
**10:49:49**
